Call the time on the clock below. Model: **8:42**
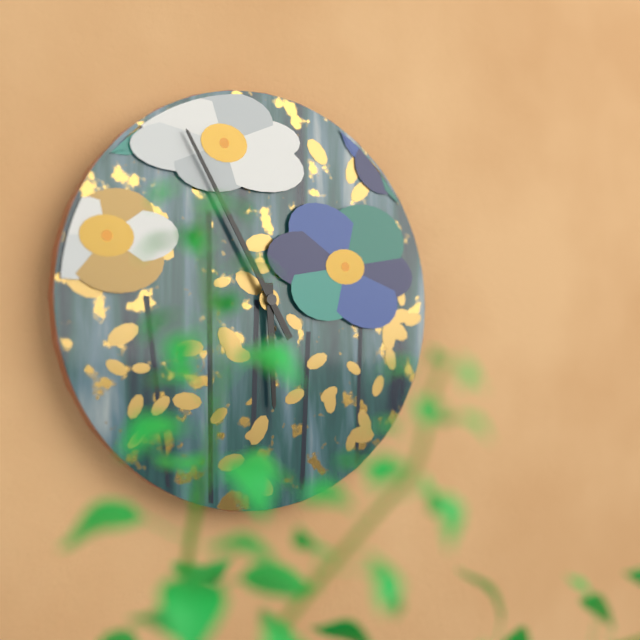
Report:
**5:55**
